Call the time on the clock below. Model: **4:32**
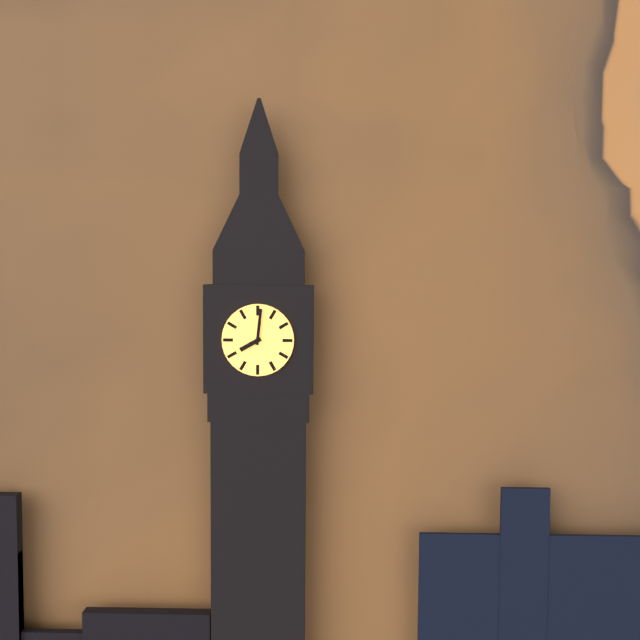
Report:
**8:01**
